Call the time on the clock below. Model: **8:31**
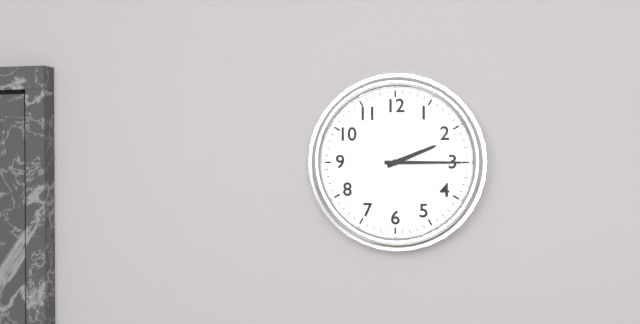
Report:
**2:15**
